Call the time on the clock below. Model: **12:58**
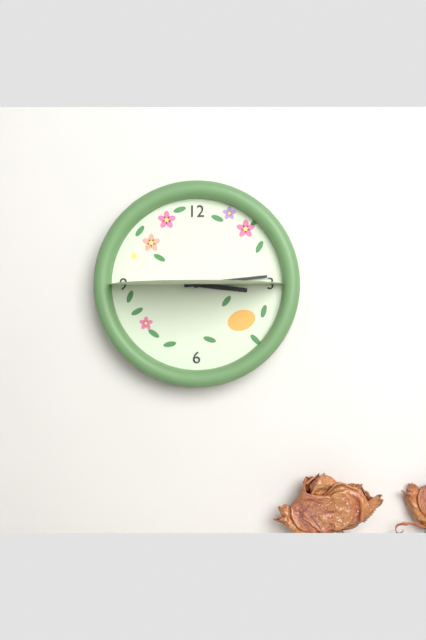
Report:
**3:14**
